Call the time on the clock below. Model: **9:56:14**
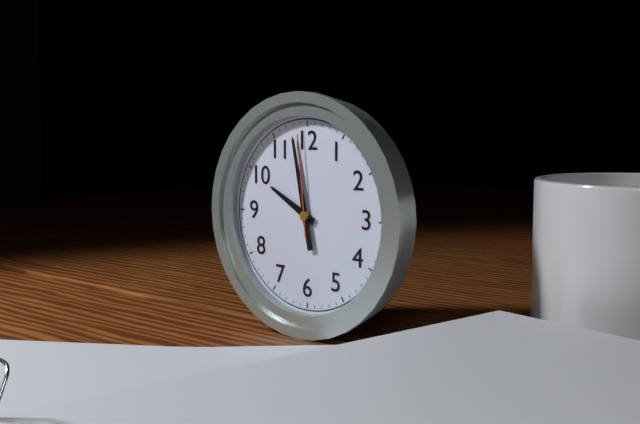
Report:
**9:58:59**
